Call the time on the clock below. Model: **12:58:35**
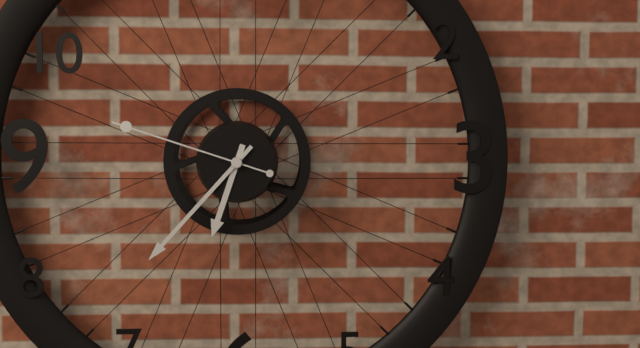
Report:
**6:37:48**
